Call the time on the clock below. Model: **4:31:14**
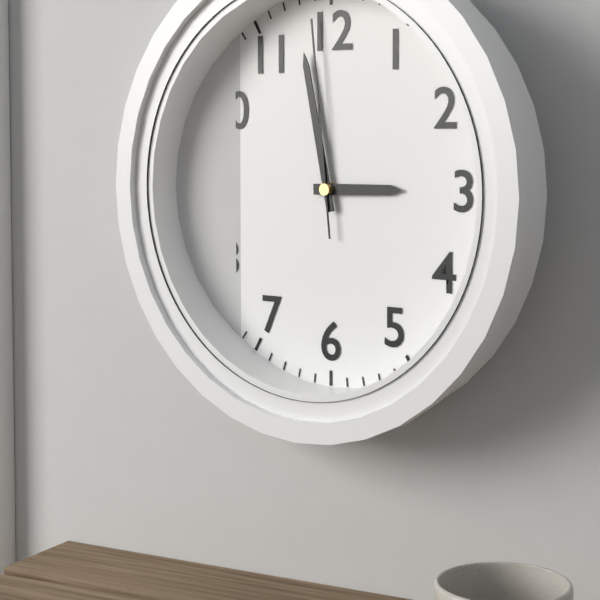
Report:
**2:58:59**
